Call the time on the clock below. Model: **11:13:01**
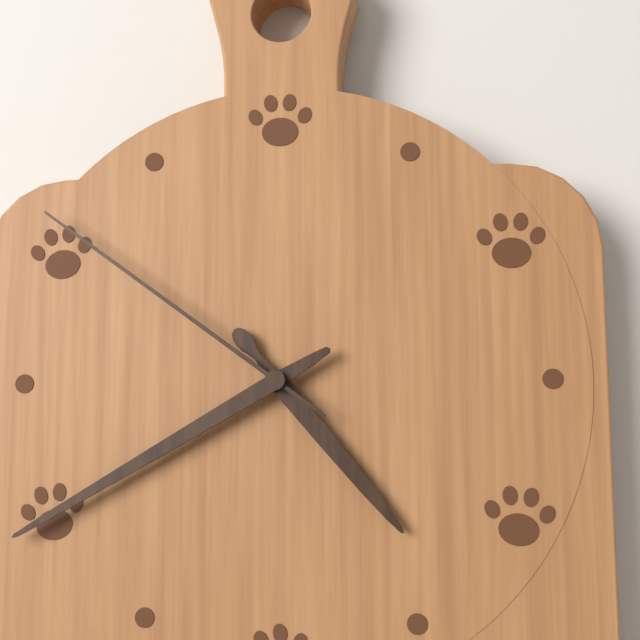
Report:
**4:40:51**
